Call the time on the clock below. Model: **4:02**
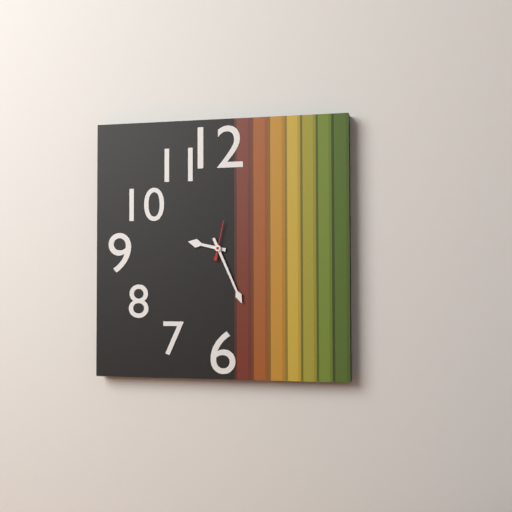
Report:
**9:26**
